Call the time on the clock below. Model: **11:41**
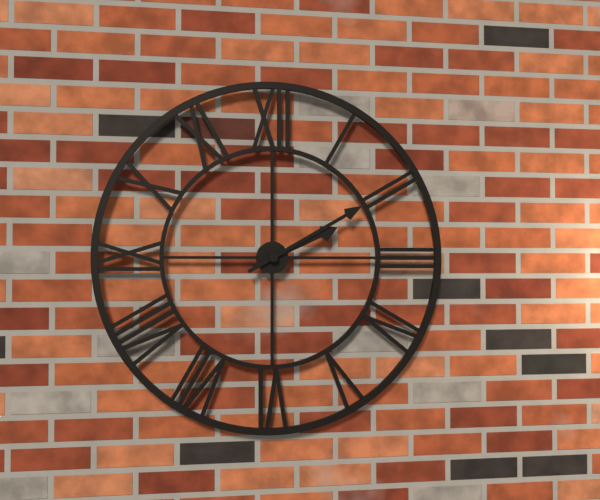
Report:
**2:10**
